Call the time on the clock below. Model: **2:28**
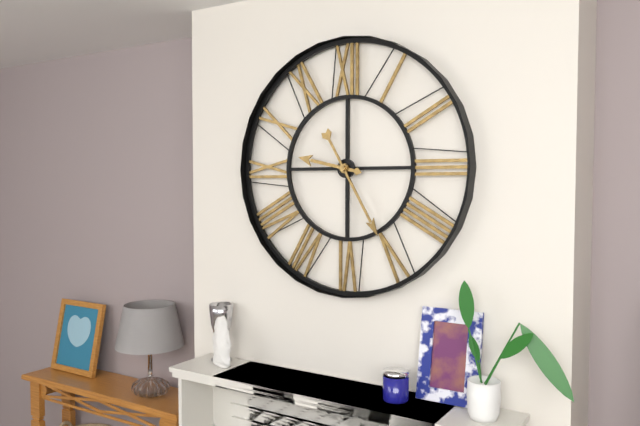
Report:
**9:25**
